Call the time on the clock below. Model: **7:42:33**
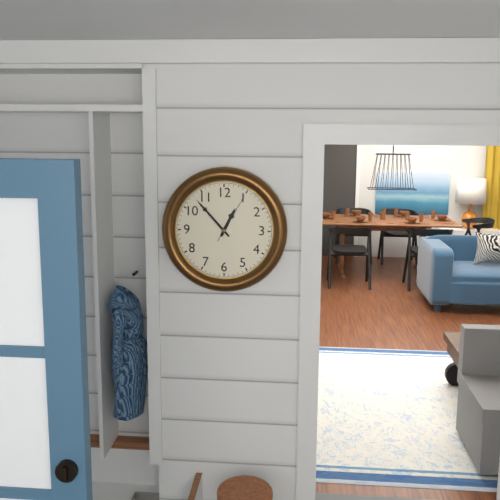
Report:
**12:53:05**
